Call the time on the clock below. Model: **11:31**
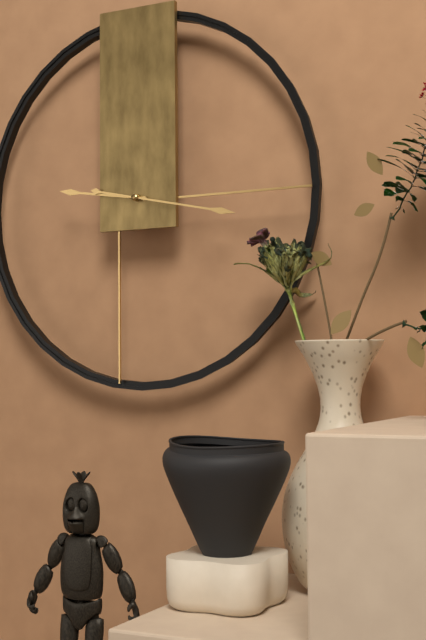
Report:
**9:17**
